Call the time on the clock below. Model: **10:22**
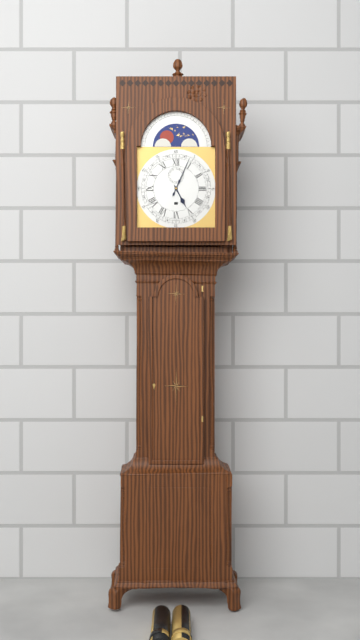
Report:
**5:04**
